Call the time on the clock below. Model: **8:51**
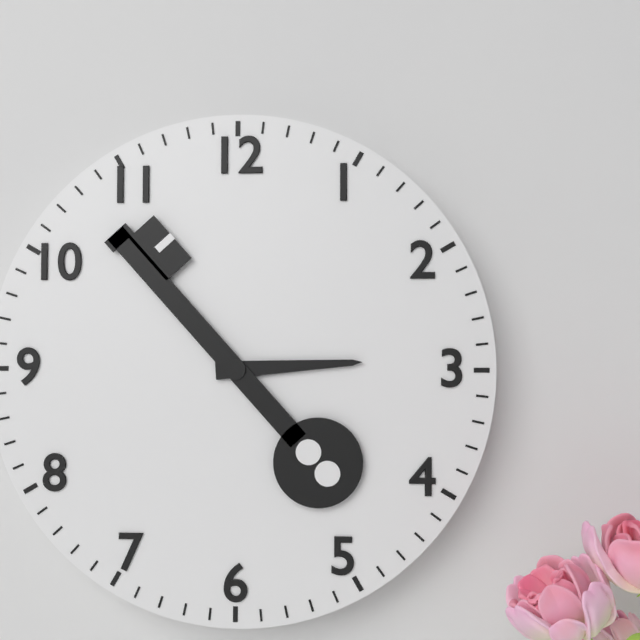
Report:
**2:53**
